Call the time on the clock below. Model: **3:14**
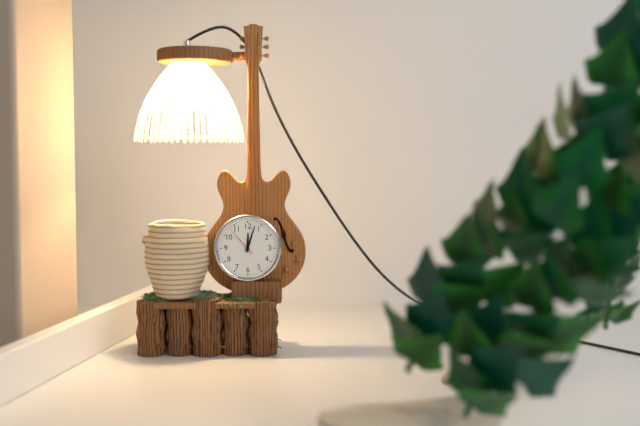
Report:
**12:03**
